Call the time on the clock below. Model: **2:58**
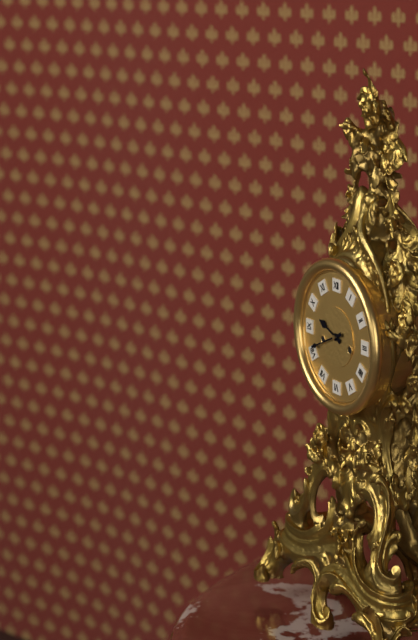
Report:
**9:41**
